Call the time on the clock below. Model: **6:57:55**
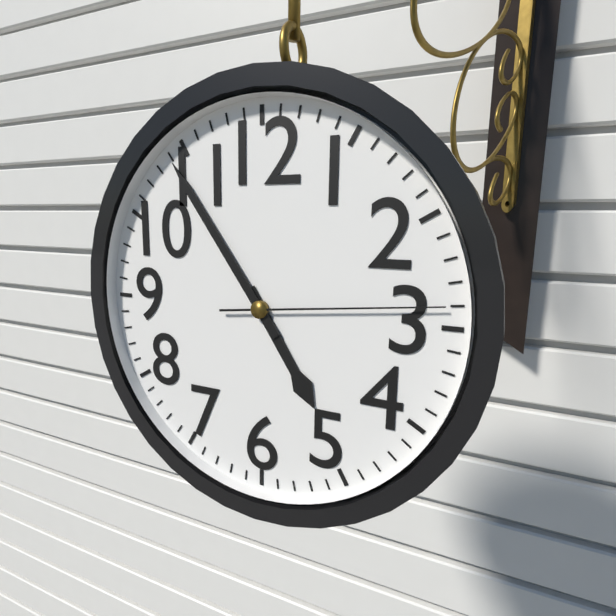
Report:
**4:54:14**
